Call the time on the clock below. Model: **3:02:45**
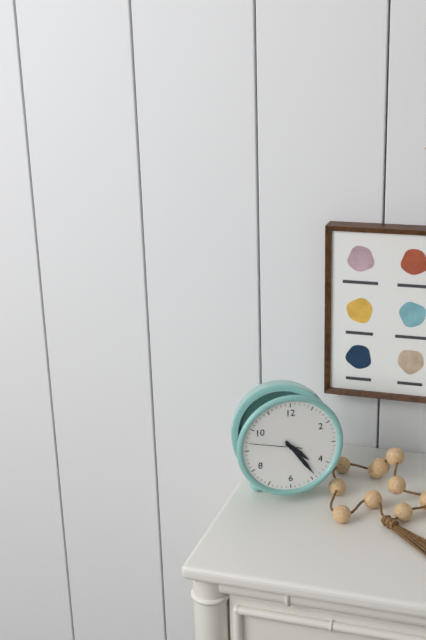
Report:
**4:24:47**
